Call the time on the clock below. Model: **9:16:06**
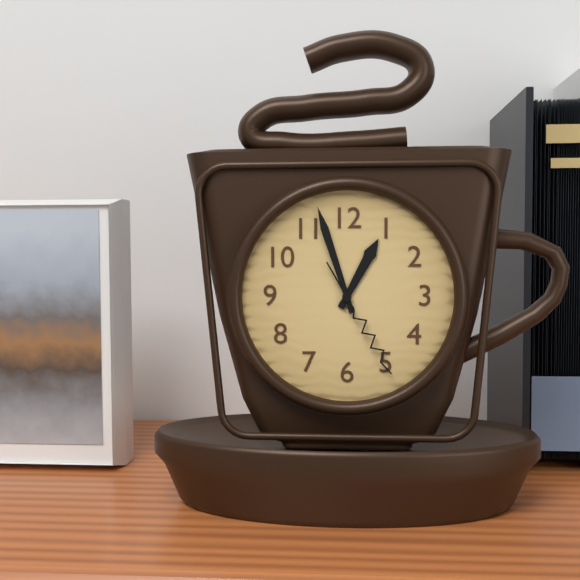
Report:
**12:57:25**
